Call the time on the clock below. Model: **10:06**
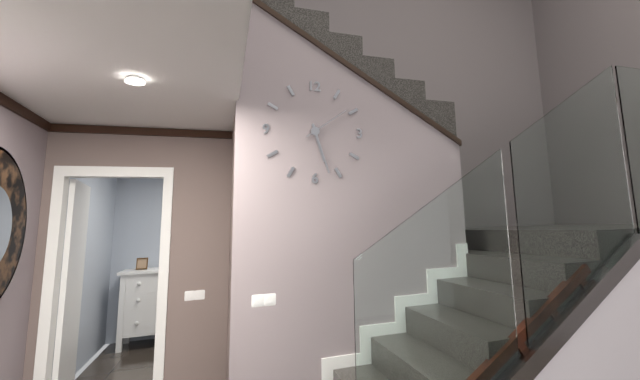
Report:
**5:27**
